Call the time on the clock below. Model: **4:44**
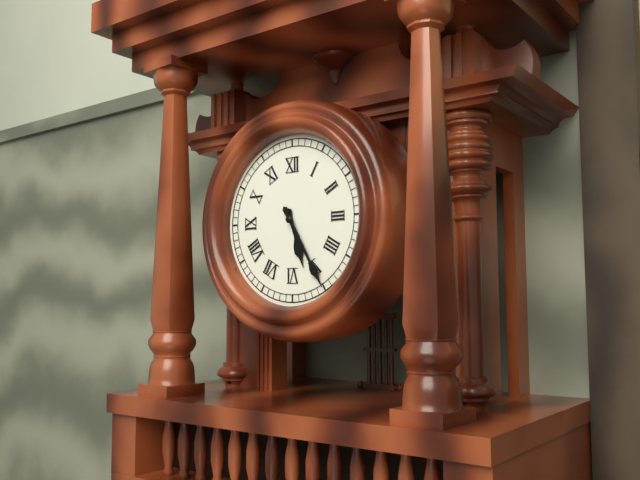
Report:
**5:25**
